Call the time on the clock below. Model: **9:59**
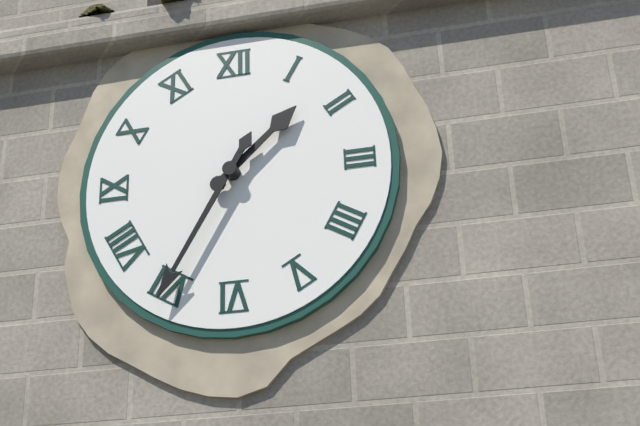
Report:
**1:35**
